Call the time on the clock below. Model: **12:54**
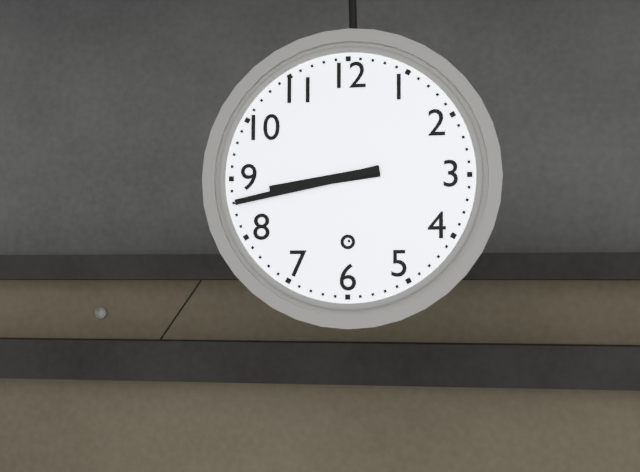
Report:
**8:43**
